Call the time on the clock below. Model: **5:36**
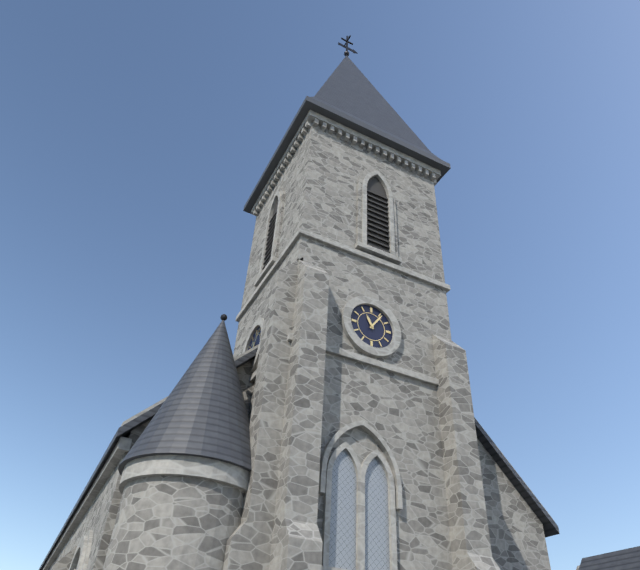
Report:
**11:06**
